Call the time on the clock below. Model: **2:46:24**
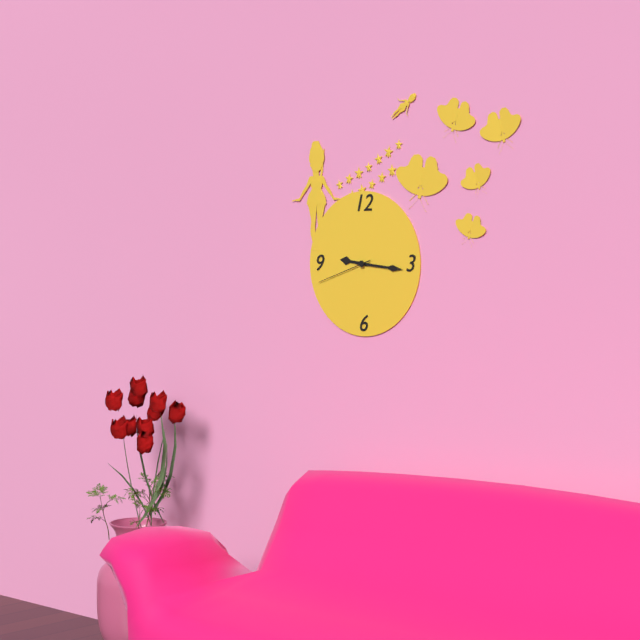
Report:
**9:16:42**
